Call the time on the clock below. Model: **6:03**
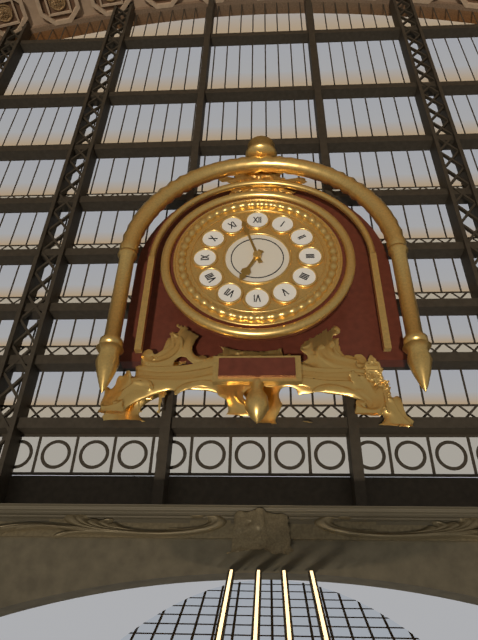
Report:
**6:57**
